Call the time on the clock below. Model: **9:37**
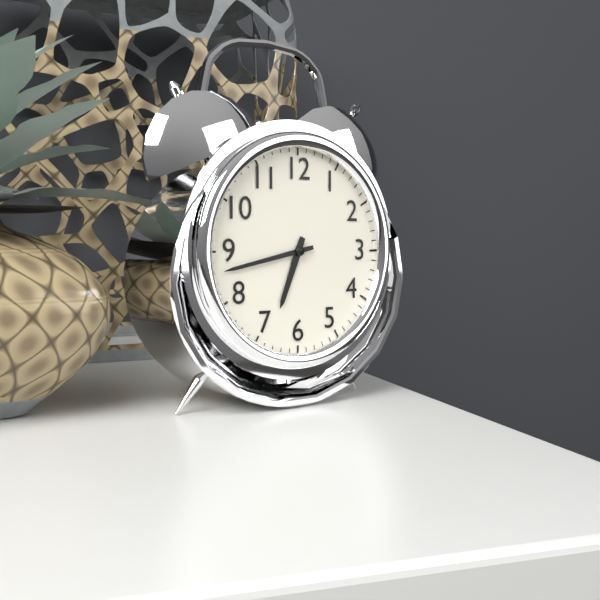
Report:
**6:43**
